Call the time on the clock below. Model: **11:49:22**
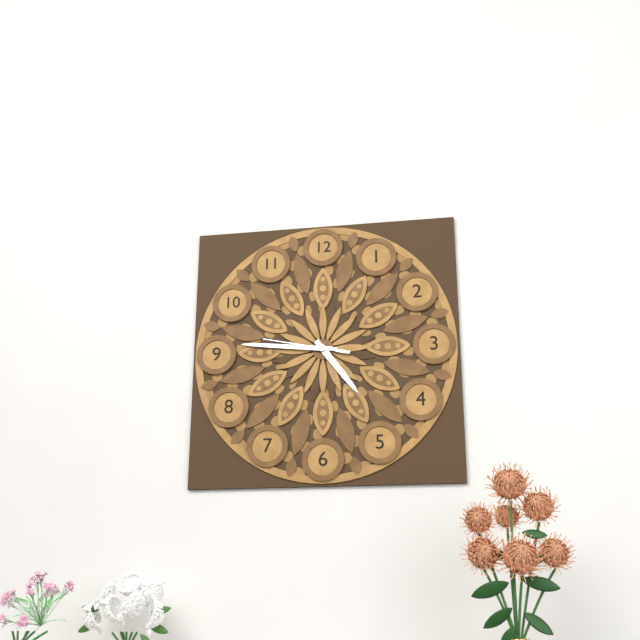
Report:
**4:46:47**
